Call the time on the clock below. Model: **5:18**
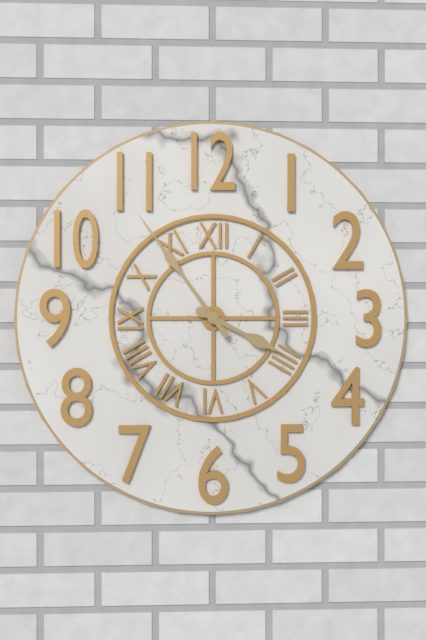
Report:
**3:54**
